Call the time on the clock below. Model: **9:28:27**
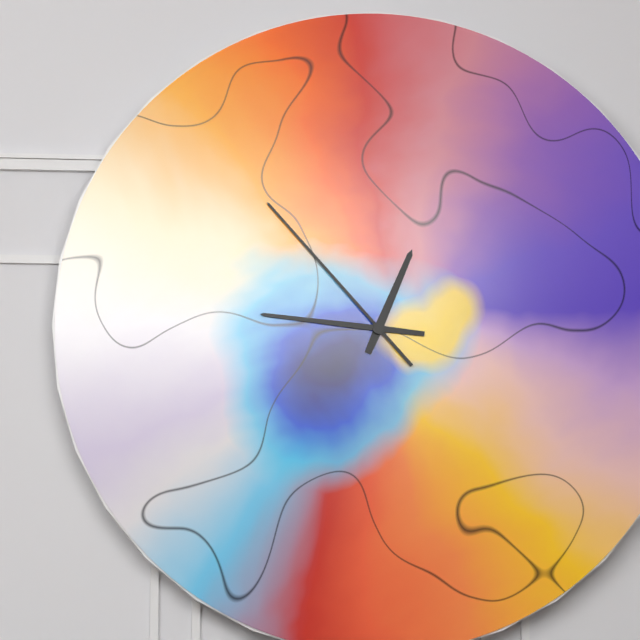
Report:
**12:46:53**
